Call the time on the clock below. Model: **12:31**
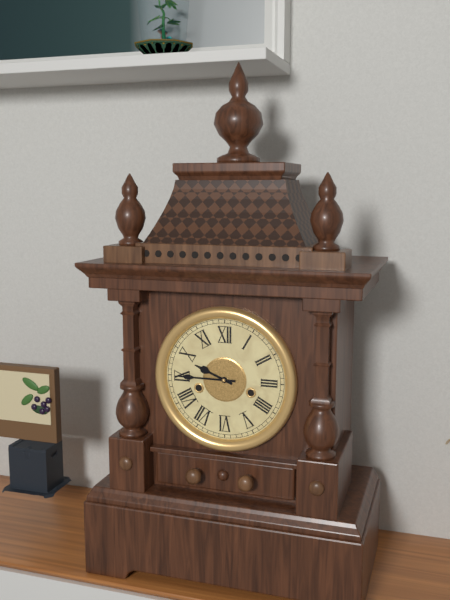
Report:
**9:45**
